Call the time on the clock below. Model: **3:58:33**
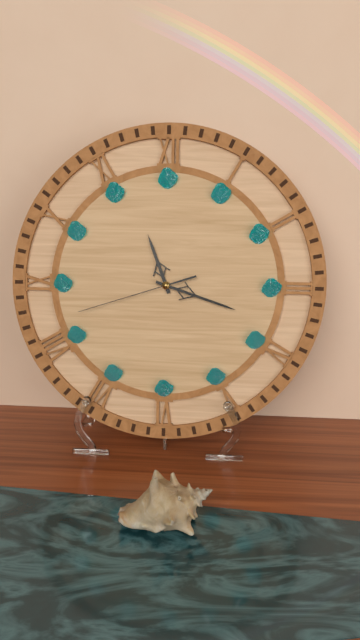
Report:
**11:18:42**
